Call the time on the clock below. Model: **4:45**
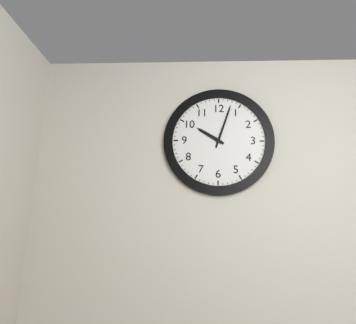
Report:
**10:03**
